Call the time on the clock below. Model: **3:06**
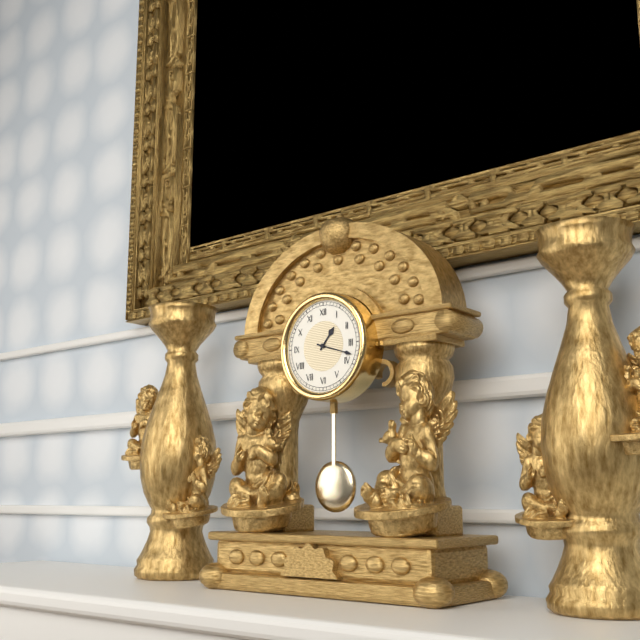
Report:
**1:18**
